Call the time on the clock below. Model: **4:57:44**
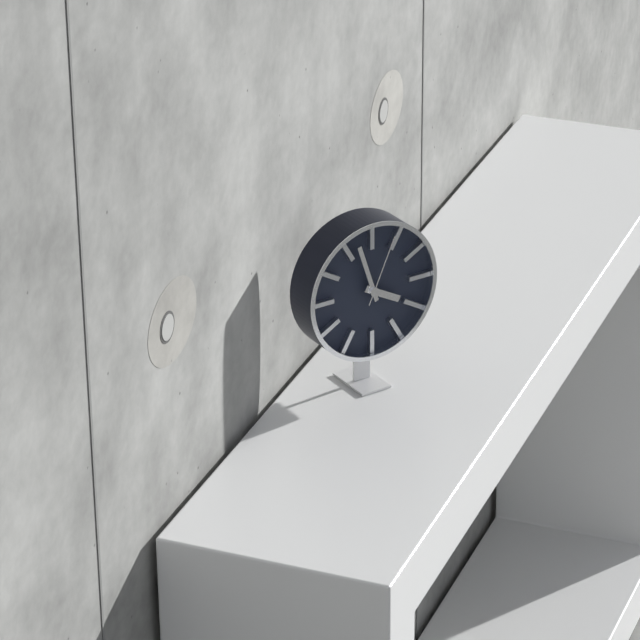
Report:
**3:57:04**
